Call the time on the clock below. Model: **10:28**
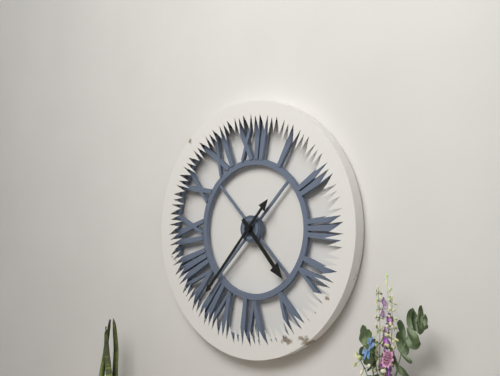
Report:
**4:37**
